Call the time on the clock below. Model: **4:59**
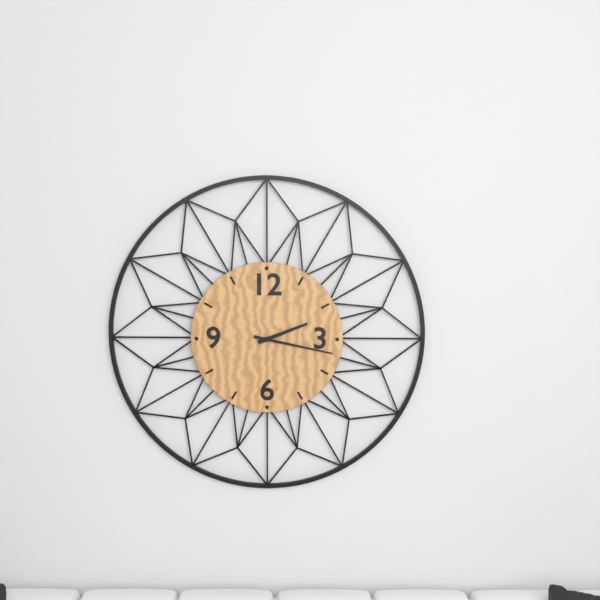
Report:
**2:17**
